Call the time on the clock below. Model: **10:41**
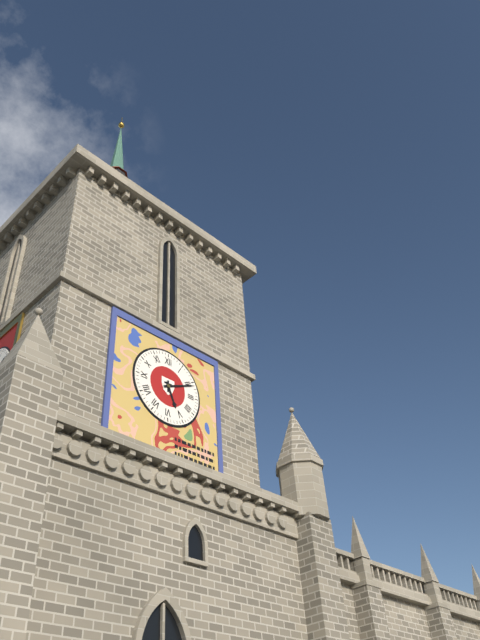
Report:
**5:11**
